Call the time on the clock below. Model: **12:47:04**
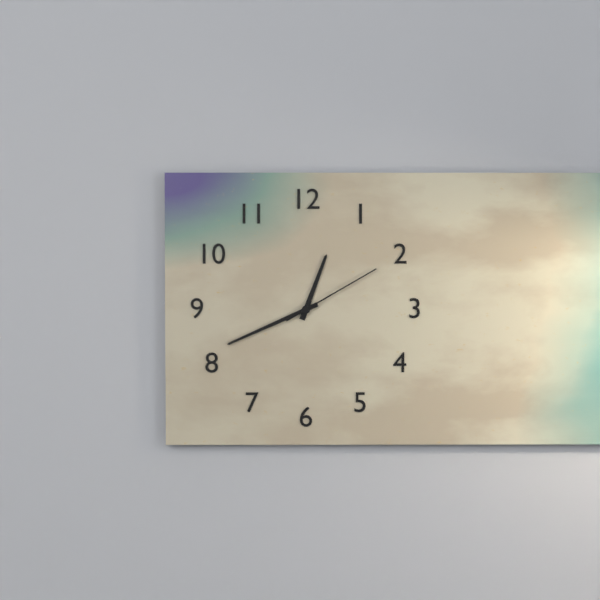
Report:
**12:41:10**
